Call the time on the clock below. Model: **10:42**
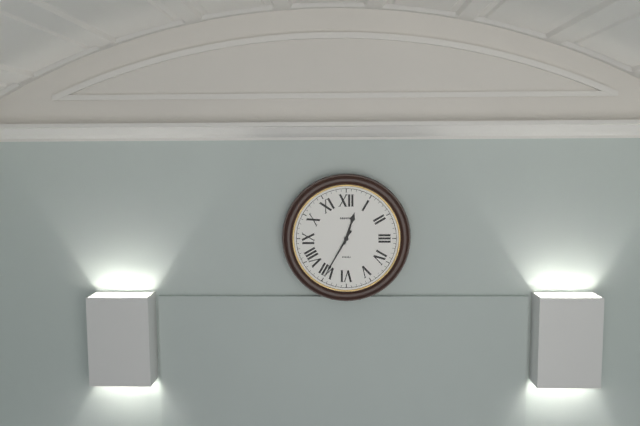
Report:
**12:35**
